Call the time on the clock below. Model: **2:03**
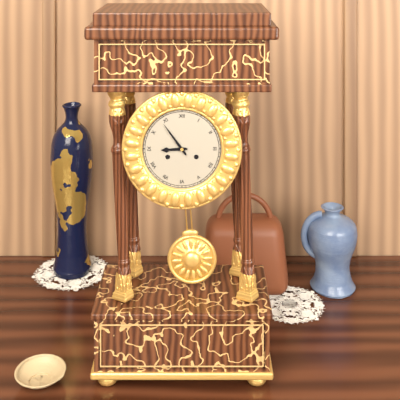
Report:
**8:54**
